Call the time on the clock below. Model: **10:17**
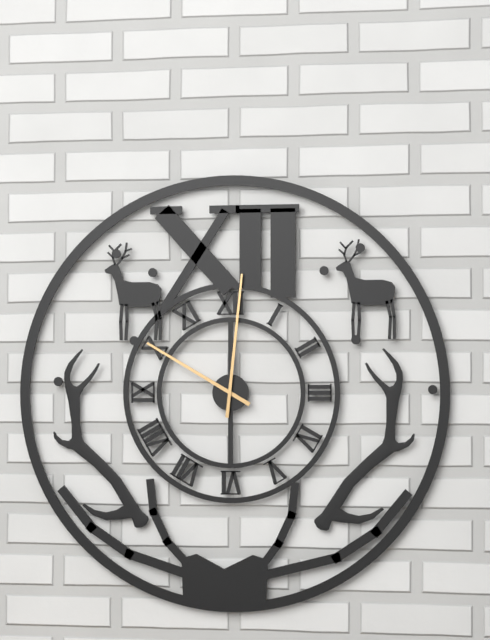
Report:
**10:01**
